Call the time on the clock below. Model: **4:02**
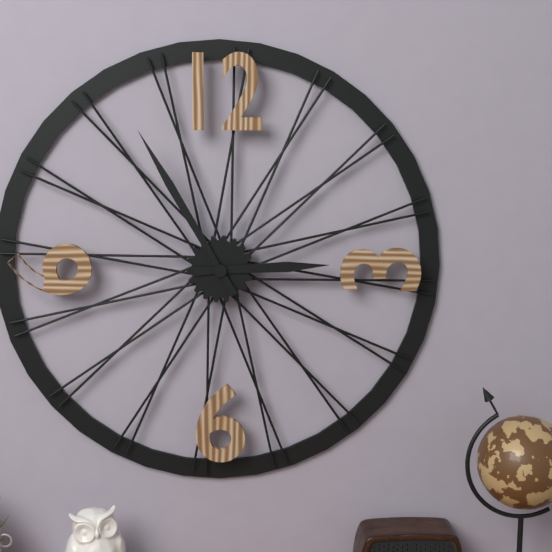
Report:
**2:55**
